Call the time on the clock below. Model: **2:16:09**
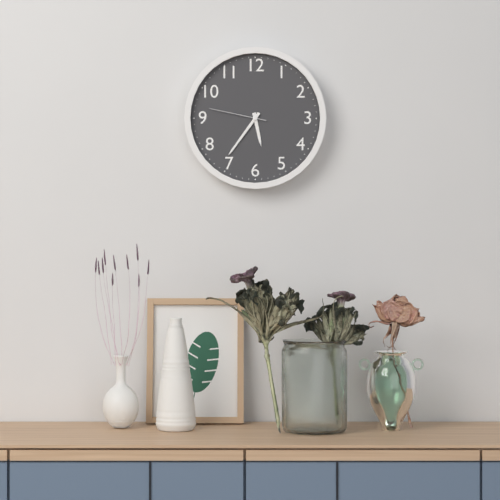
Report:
**5:36:47**
